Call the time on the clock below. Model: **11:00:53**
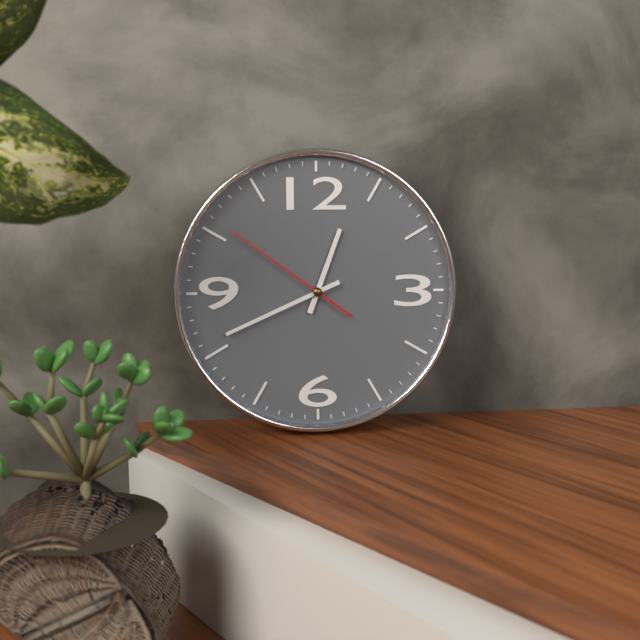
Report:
**12:41:51**
